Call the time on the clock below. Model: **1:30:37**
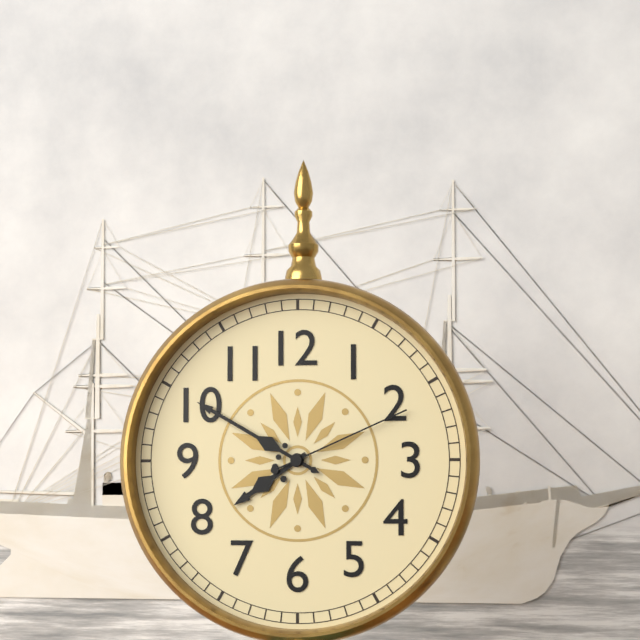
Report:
**7:50:11**
